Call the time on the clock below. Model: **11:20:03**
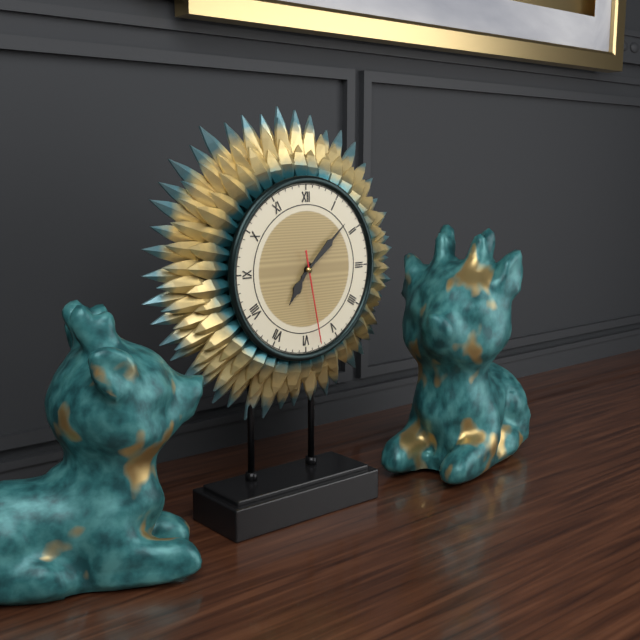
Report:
**7:08:28**
